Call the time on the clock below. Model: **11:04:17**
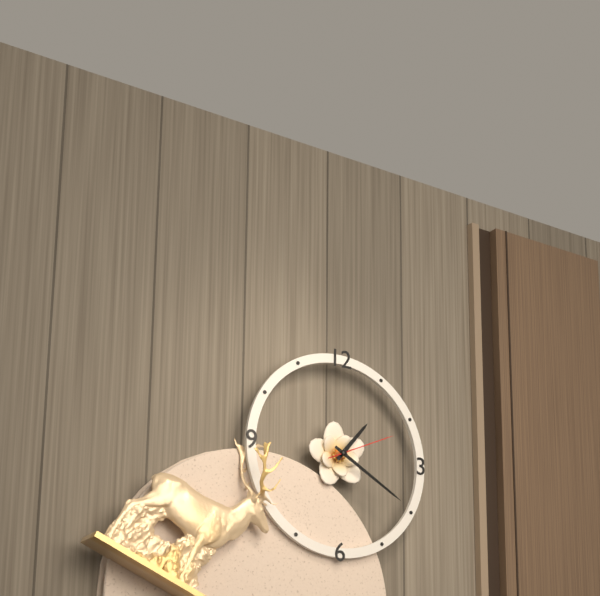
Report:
**1:20:11**
